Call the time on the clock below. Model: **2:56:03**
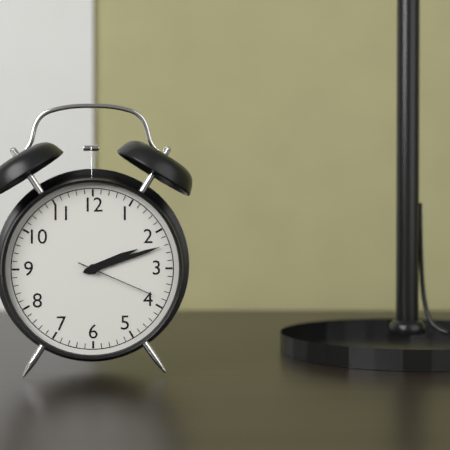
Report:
**2:12:19**
